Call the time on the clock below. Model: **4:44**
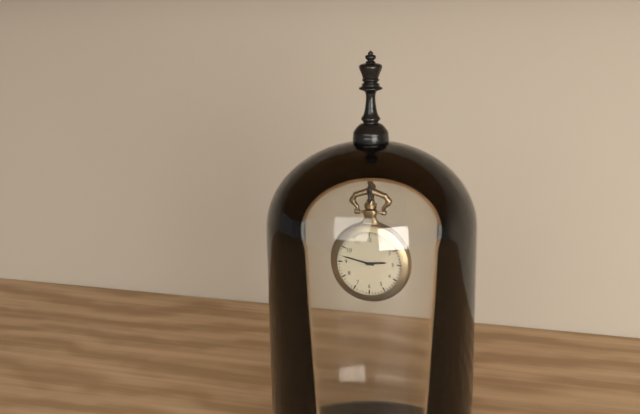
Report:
**2:47**
